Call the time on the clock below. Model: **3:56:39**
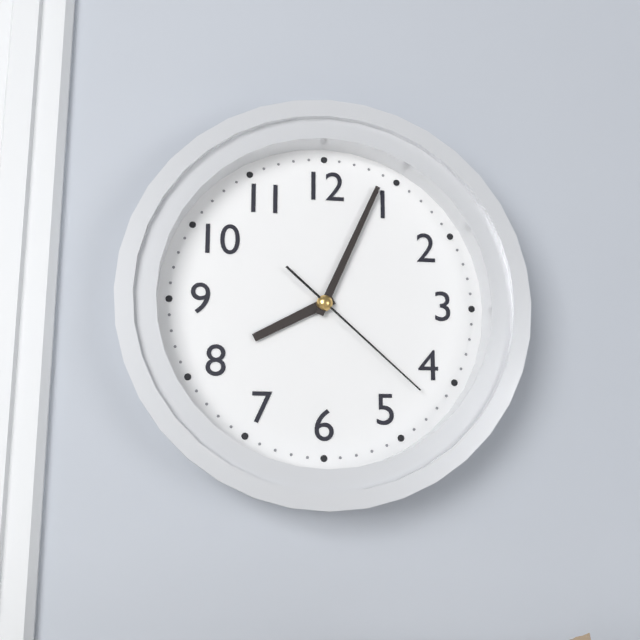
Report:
**8:04:22**
